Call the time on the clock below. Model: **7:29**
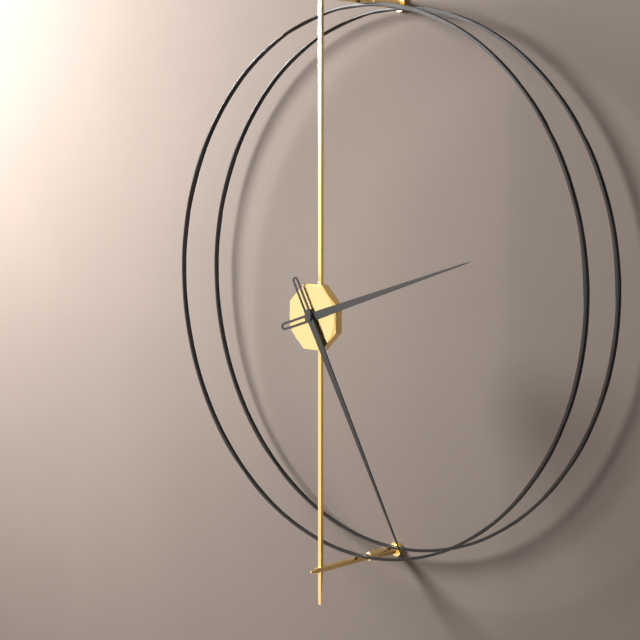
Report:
**2:25**
